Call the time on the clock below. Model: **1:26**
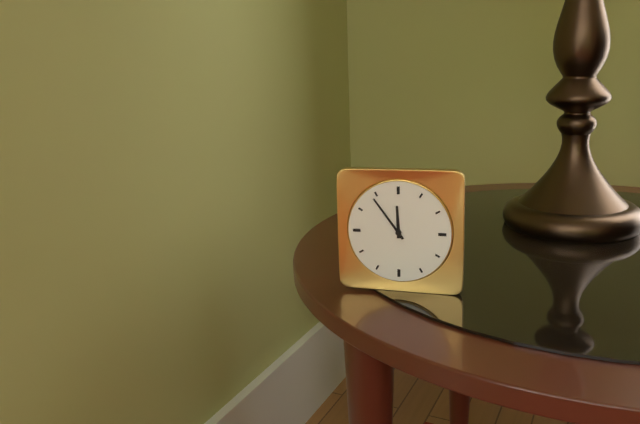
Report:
**11:54**
